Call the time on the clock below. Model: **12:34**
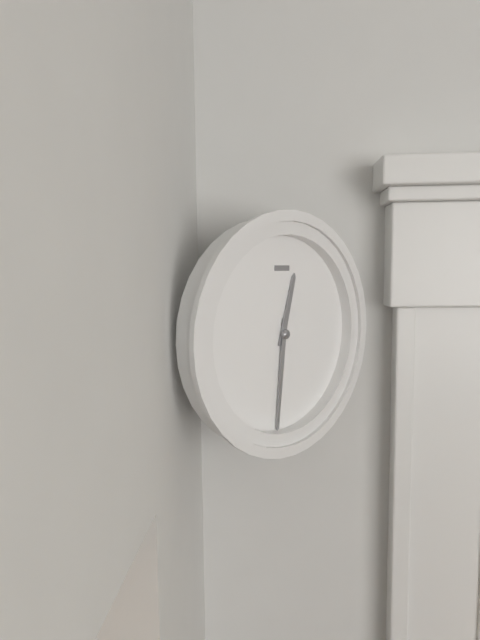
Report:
**12:31**
